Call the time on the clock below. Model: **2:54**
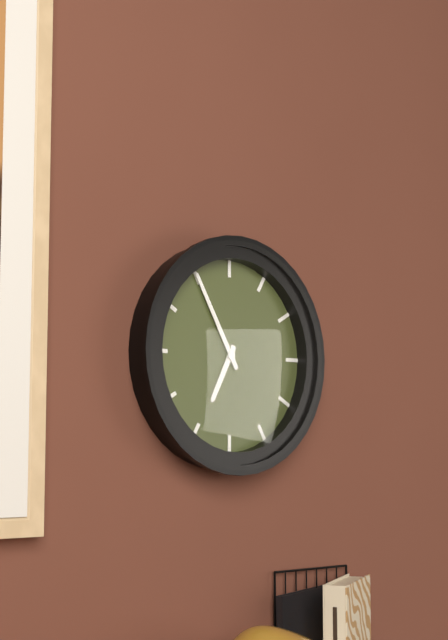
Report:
**6:55**
